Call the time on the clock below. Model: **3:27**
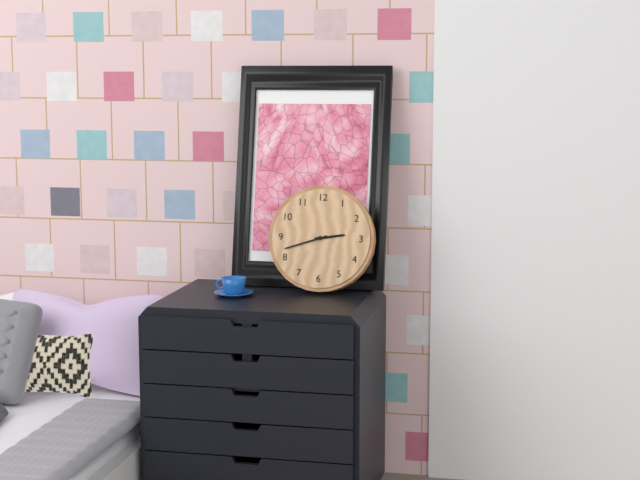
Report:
**2:42**
